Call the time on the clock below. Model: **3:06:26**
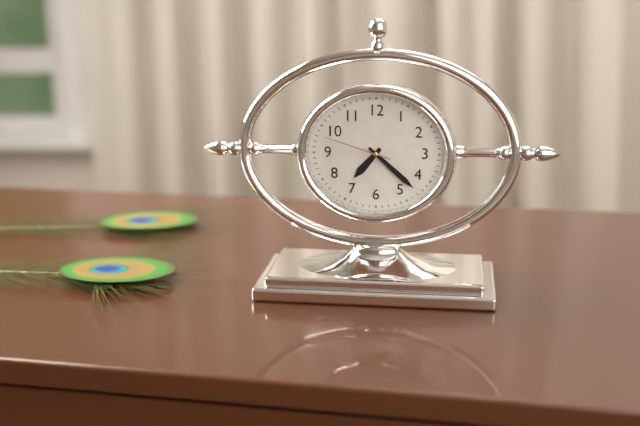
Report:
**7:22:48**
